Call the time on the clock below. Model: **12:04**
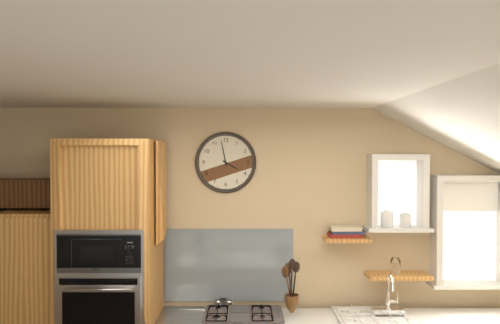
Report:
**3:58**
